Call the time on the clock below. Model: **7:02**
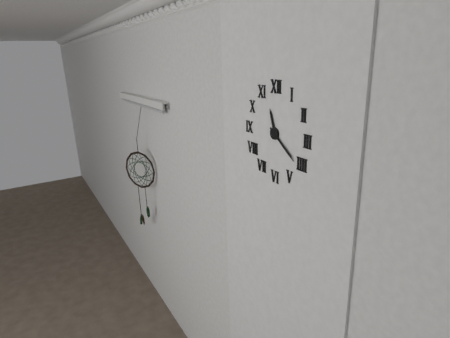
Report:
**11:21**
